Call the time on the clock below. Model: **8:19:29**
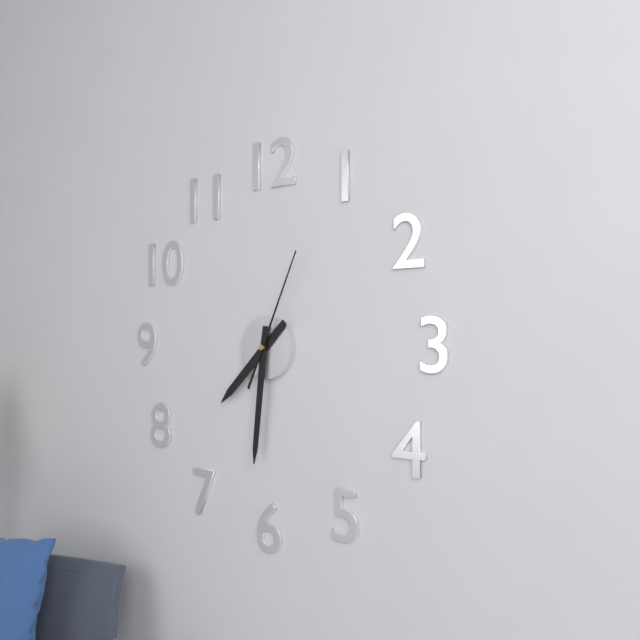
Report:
**7:31:04**
